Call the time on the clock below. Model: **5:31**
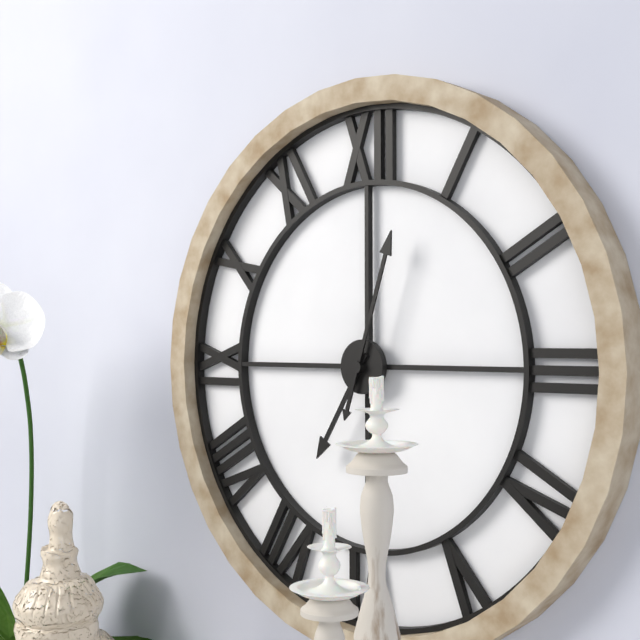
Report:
**7:03**
